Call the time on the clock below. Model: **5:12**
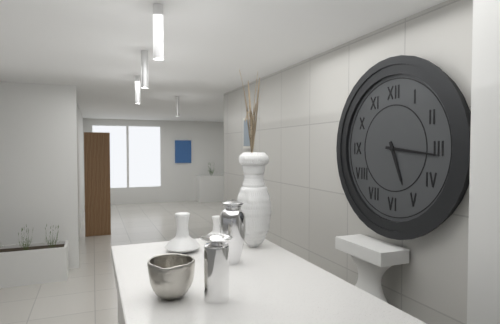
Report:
**5:16**
